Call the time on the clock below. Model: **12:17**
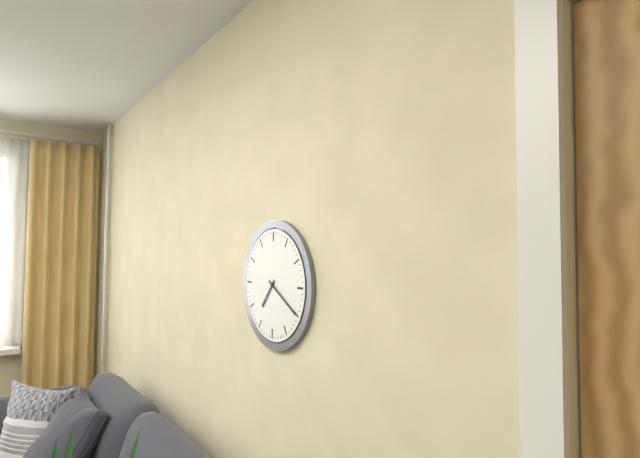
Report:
**7:20**
